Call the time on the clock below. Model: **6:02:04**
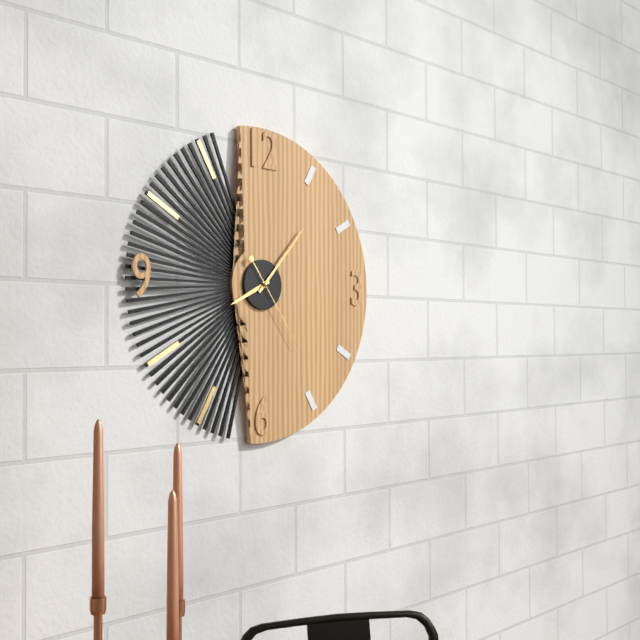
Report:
**8:07:24**
